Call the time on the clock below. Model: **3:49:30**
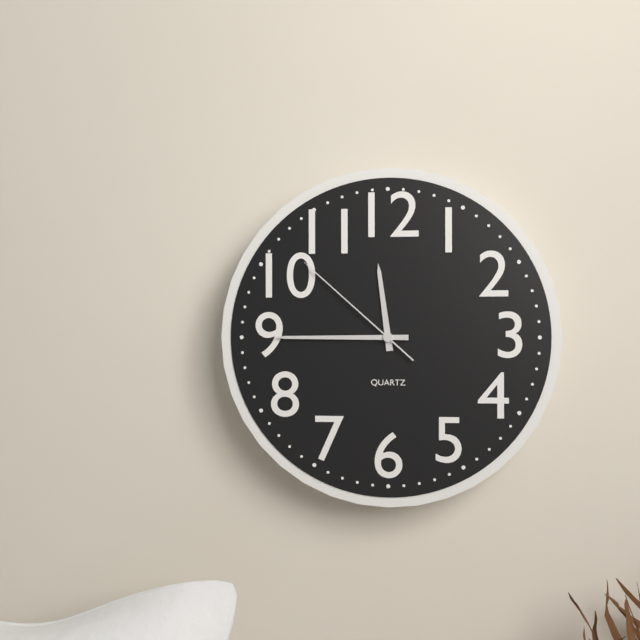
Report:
**11:45:52**
